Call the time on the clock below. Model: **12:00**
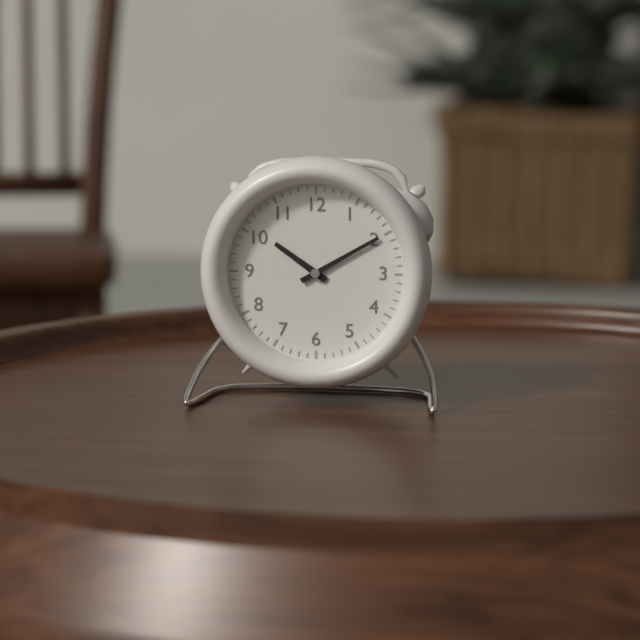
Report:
**10:10**
